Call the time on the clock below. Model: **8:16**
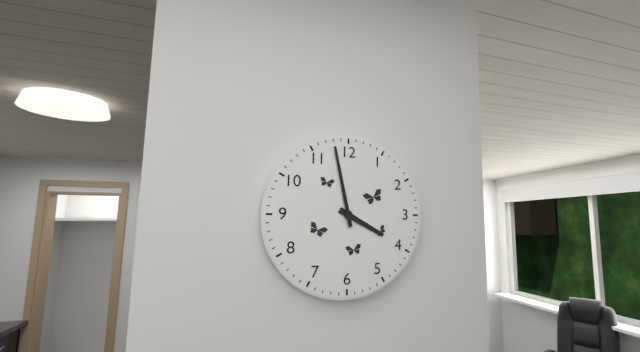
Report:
**3:58**
